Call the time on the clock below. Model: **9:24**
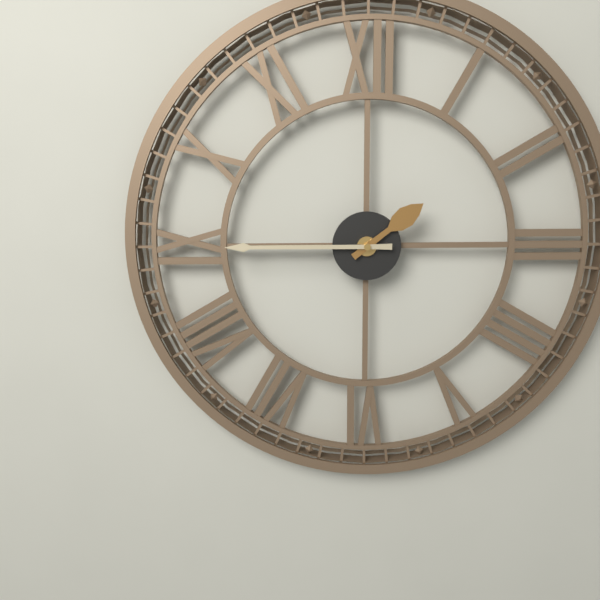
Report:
**1:45**
